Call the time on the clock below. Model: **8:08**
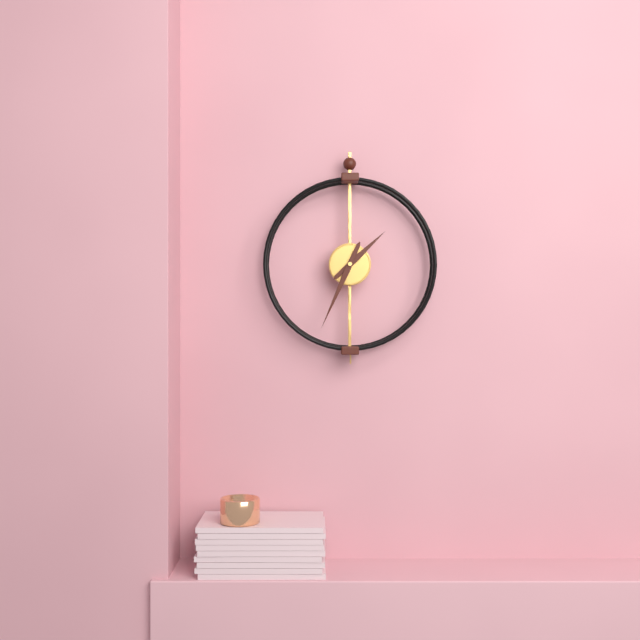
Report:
**1:34**
